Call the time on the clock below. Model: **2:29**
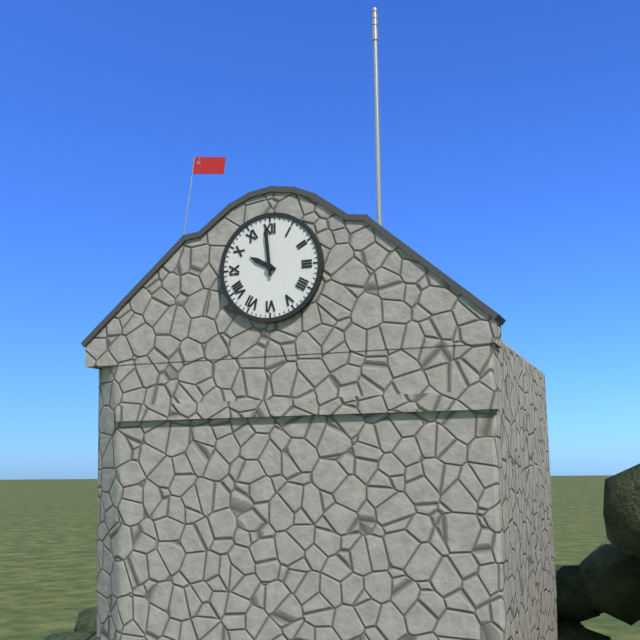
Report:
**9:59**
